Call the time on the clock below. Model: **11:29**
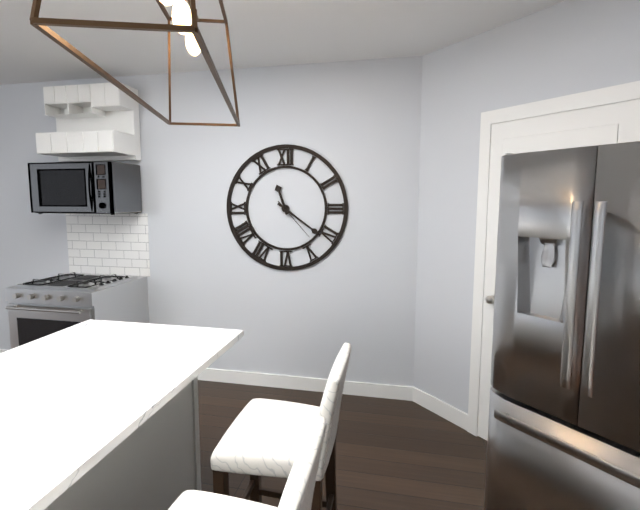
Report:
**11:21**
